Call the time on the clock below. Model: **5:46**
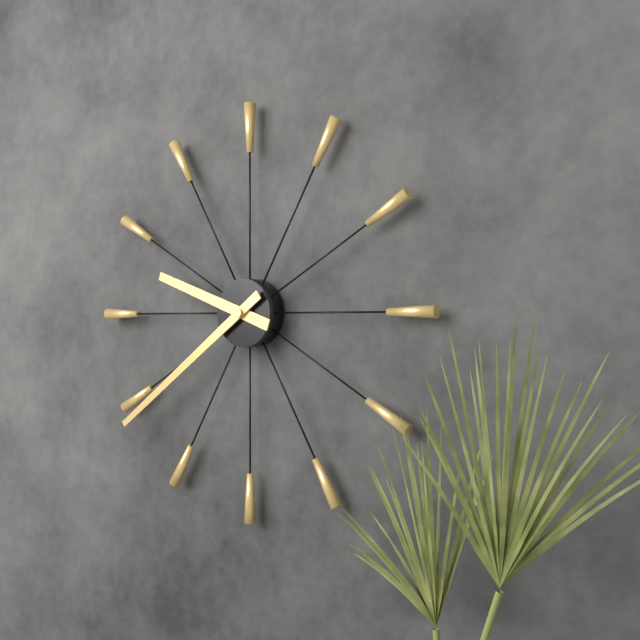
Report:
**9:39**
